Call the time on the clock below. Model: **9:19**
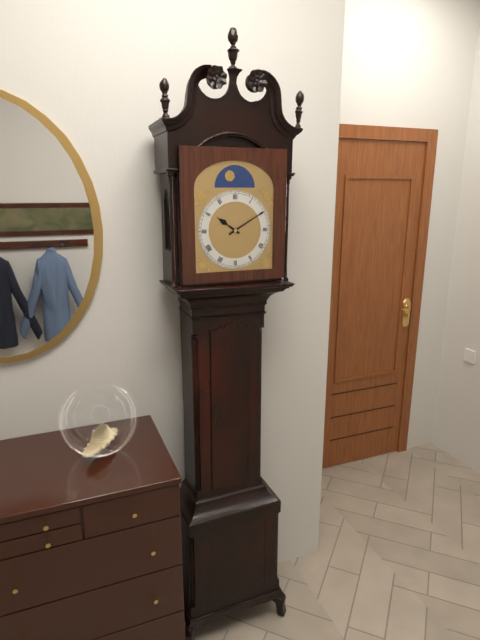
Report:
**10:10**
